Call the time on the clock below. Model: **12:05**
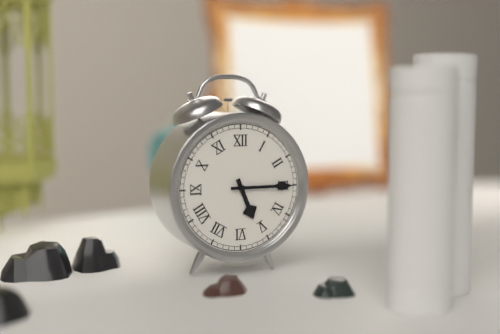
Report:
**5:15**
